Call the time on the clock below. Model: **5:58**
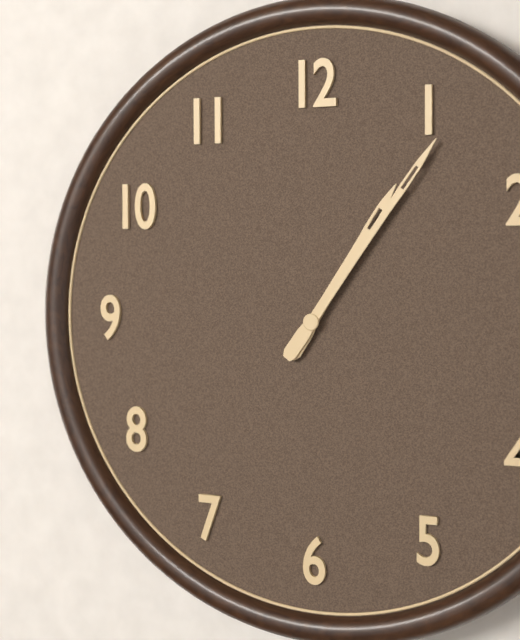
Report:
**1:06**
